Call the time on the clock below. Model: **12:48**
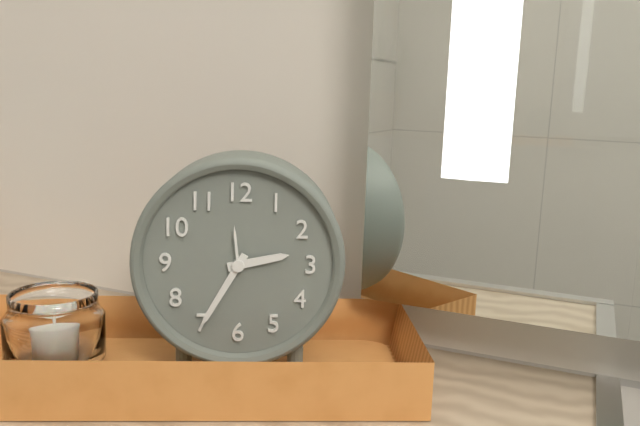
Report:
**2:35**
